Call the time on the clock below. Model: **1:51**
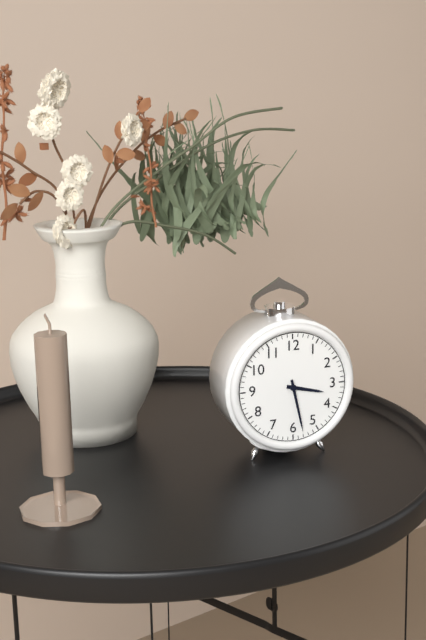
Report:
**3:28**
